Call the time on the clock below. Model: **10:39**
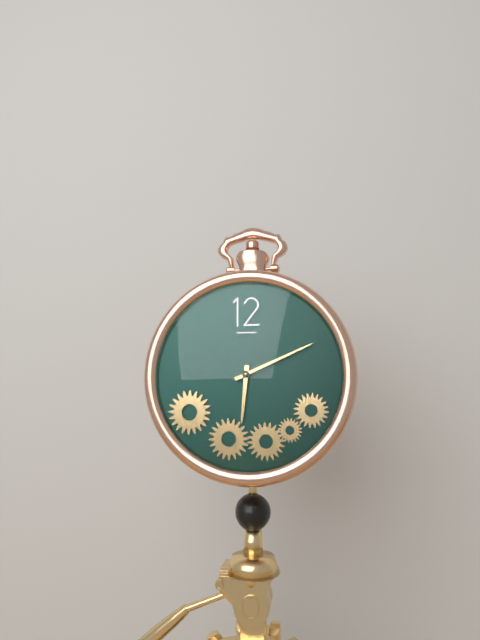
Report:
**6:11**
